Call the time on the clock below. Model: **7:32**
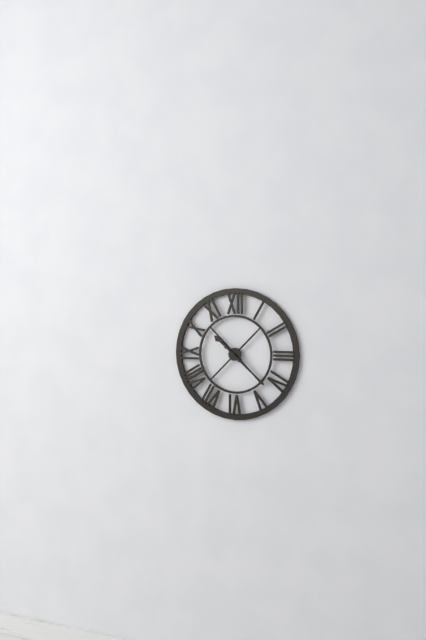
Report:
**10:22**
